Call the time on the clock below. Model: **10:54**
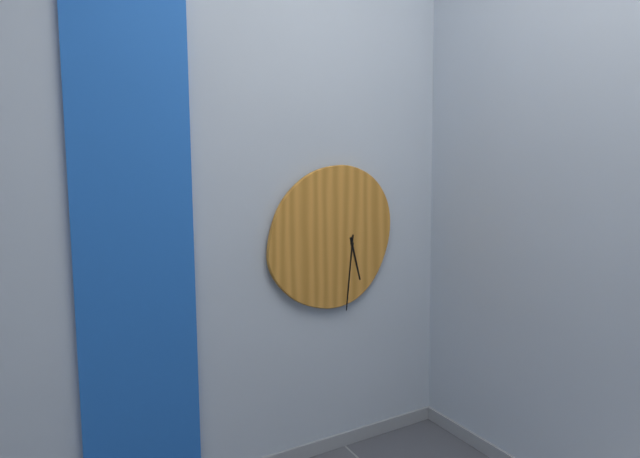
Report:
**5:31**
